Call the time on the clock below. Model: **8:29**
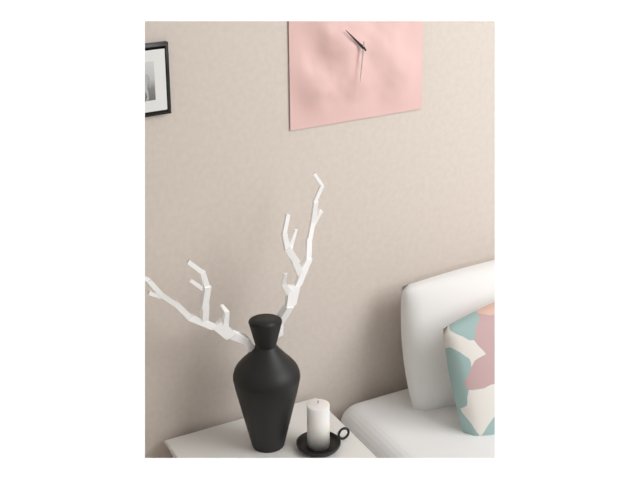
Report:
**10:31**
